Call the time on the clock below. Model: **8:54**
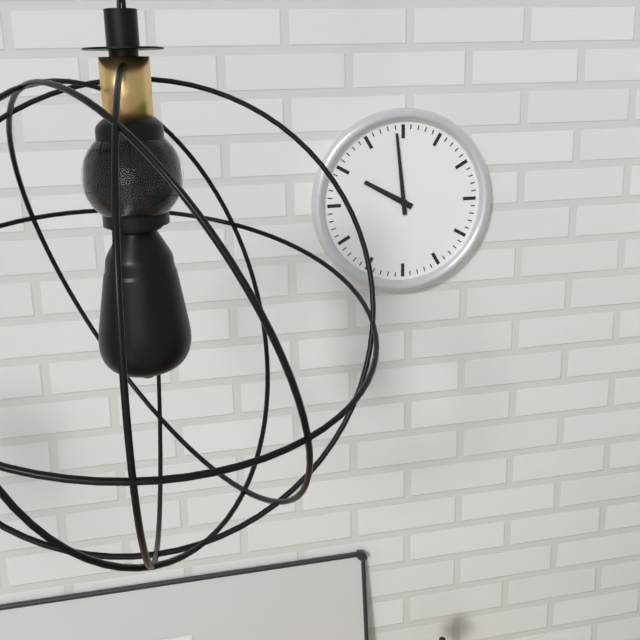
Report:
**9:59**
